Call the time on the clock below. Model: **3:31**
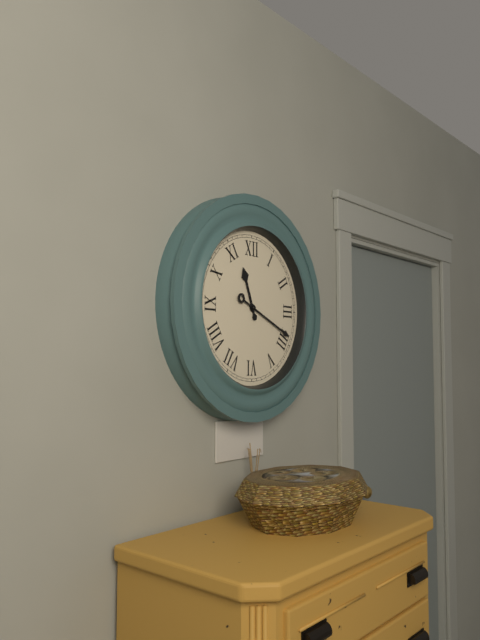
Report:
**11:19**
